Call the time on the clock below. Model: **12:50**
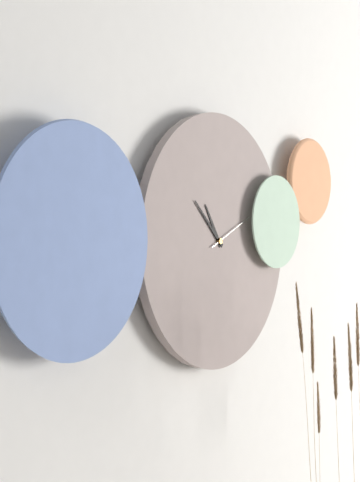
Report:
**10:52**
